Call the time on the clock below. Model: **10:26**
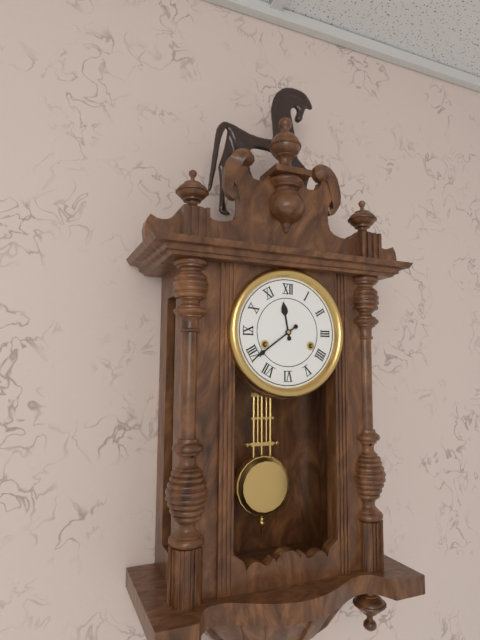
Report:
**11:39**
